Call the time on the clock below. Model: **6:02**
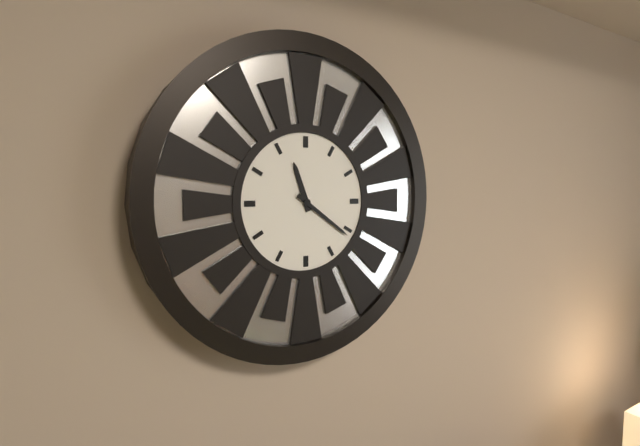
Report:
**11:21**
